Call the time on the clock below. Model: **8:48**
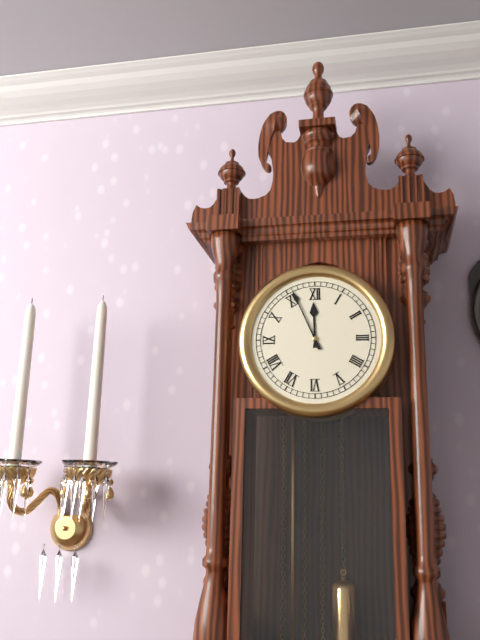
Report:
**11:56**
